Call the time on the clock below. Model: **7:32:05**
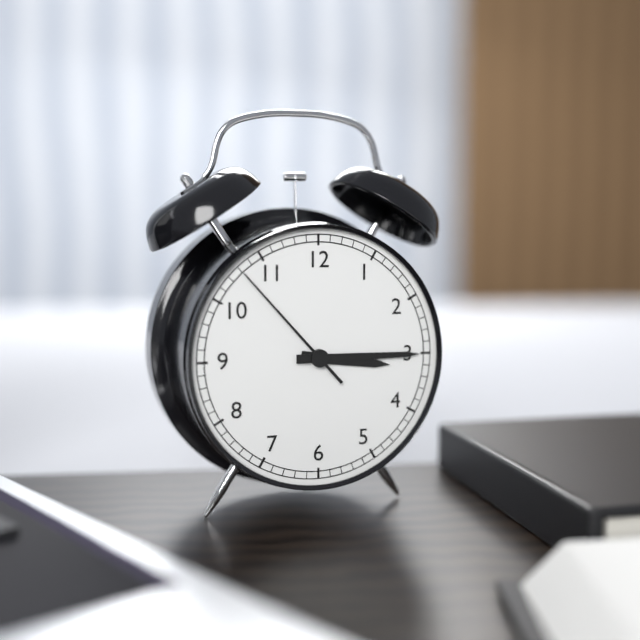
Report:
**3:15:53**
